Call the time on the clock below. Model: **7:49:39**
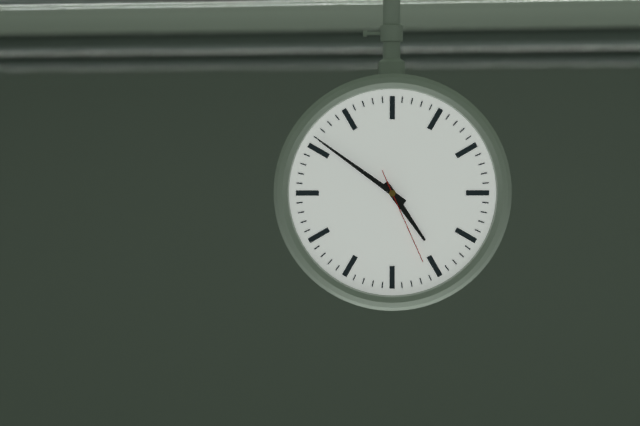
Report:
**4:51:26**
